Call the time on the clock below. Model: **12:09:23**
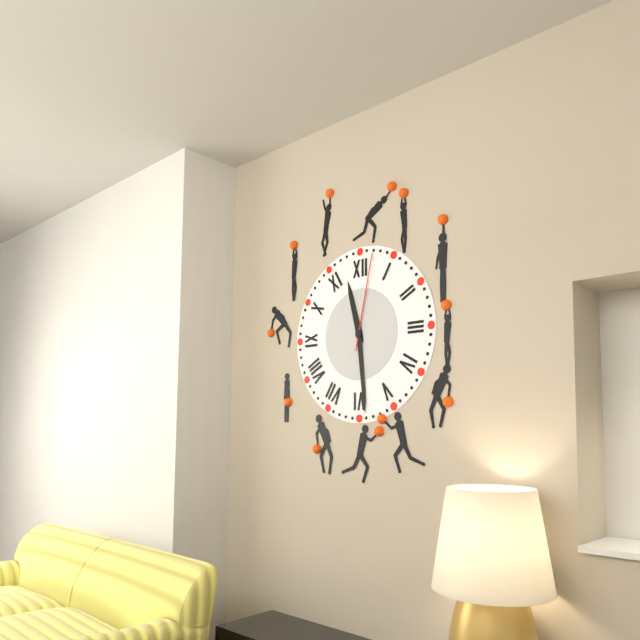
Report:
**11:29:02**
